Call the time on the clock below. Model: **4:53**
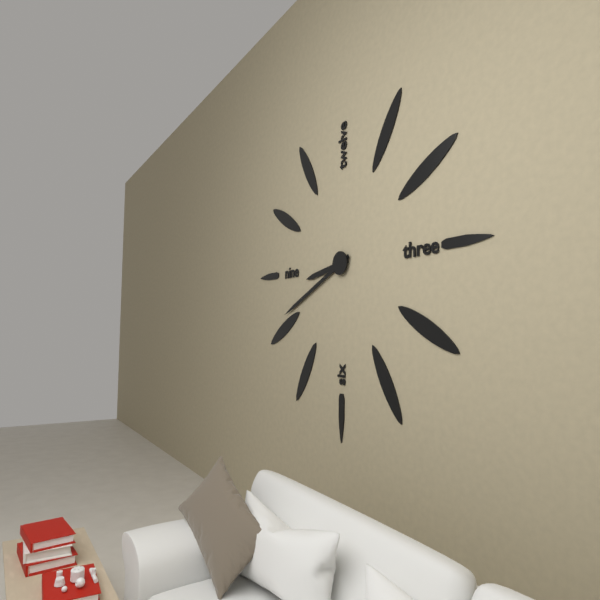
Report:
**8:41**
